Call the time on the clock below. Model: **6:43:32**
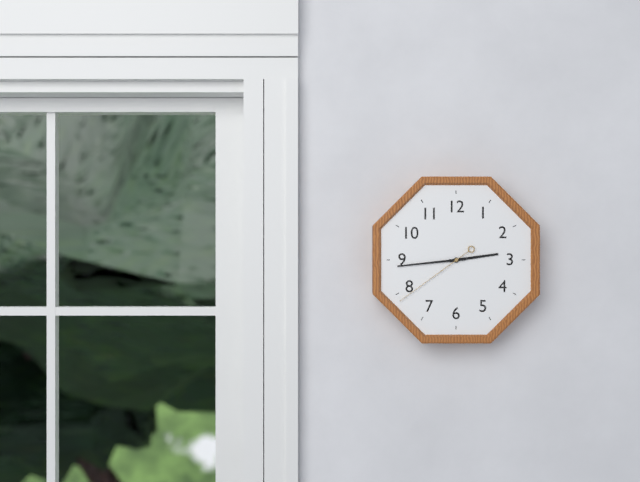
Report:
**2:44:39**
